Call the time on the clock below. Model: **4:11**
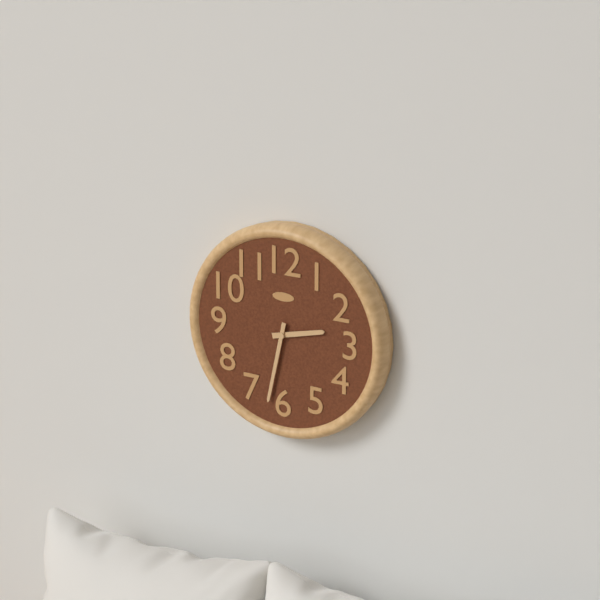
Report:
**2:32**
